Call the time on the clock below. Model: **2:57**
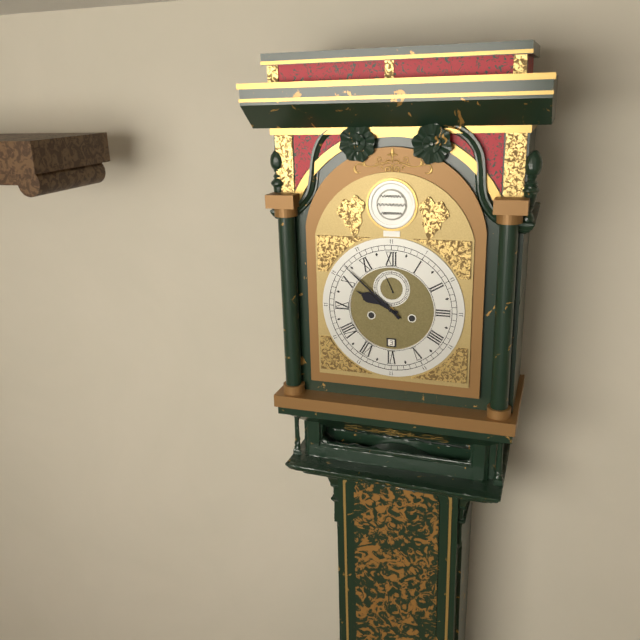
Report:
**9:52**
